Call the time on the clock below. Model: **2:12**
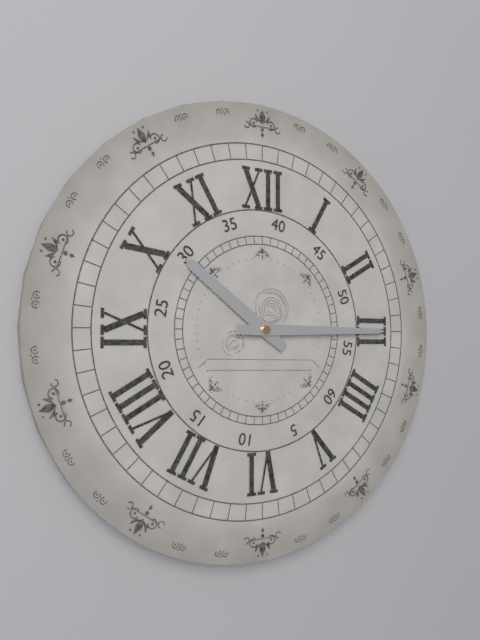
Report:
**10:15**
